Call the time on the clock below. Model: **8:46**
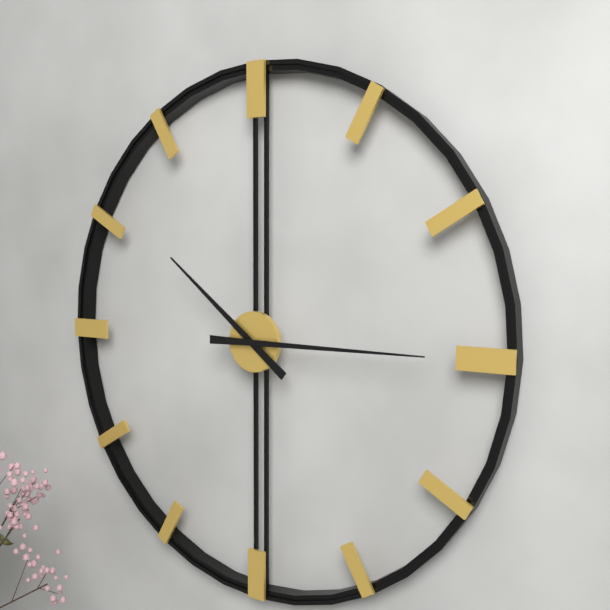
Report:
**10:15**
